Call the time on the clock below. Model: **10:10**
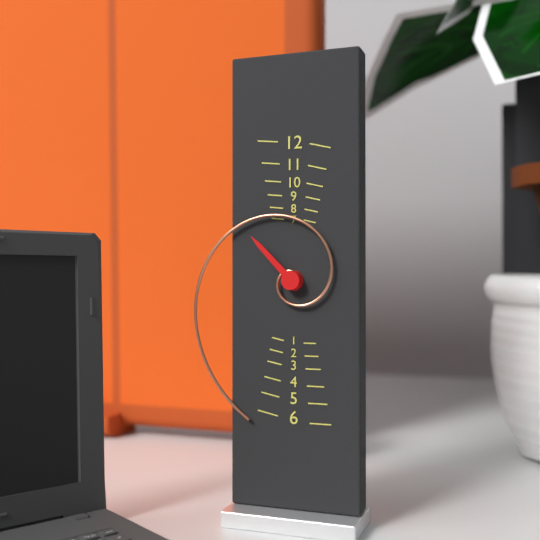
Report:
**10:33**
